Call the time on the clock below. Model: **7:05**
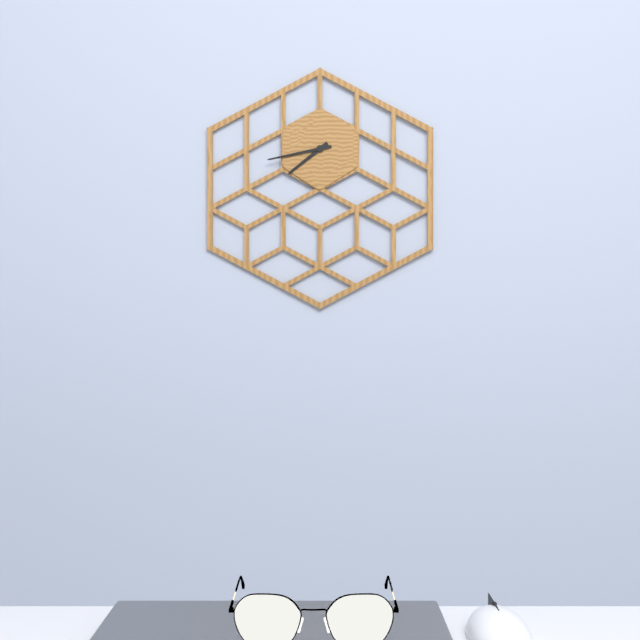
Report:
**7:43**
